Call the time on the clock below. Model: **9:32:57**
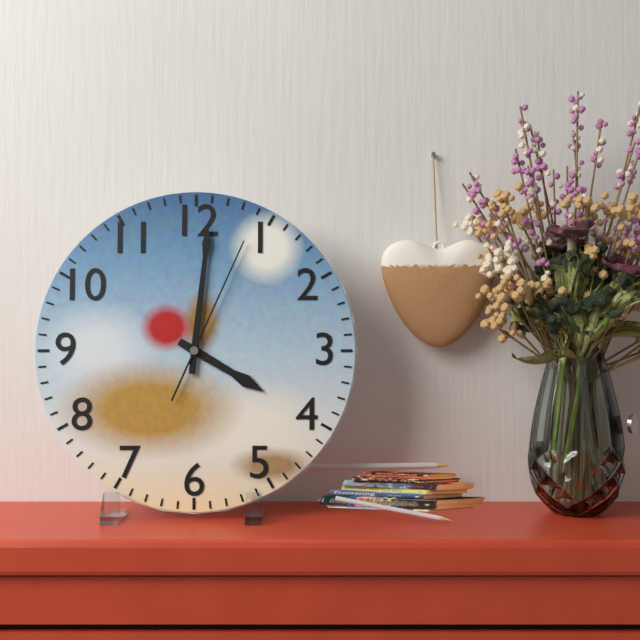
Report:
**4:01:04**
